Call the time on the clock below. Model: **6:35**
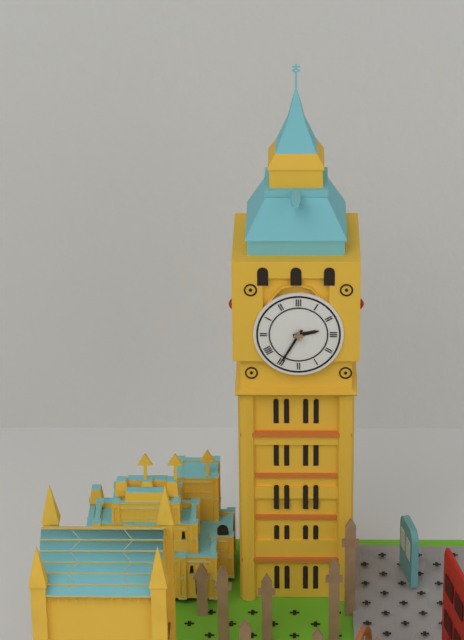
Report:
**2:35**
